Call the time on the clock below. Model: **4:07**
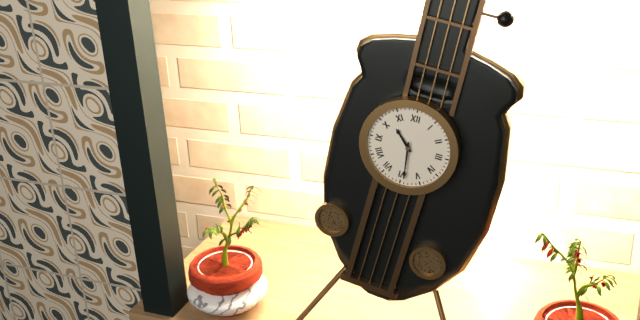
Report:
**10:29**
